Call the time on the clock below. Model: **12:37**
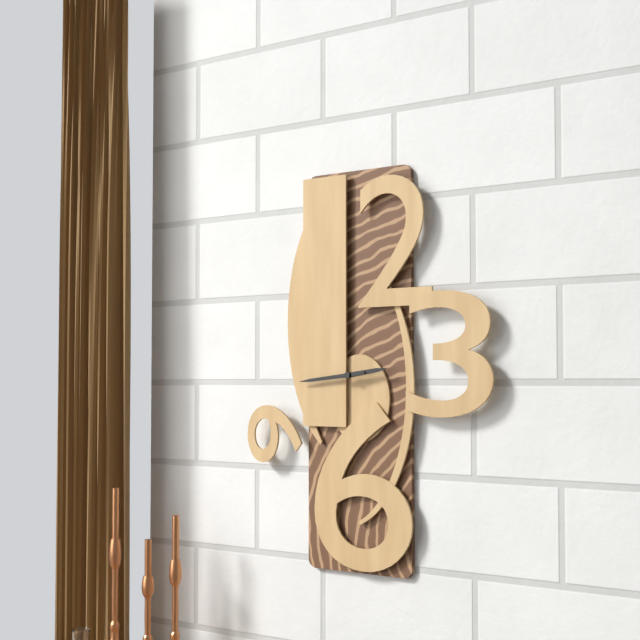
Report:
**2:44**
